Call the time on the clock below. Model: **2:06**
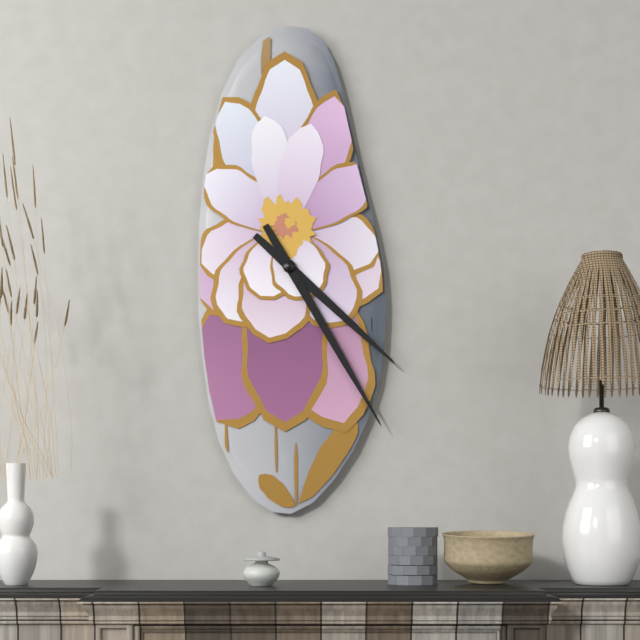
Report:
**4:25**
